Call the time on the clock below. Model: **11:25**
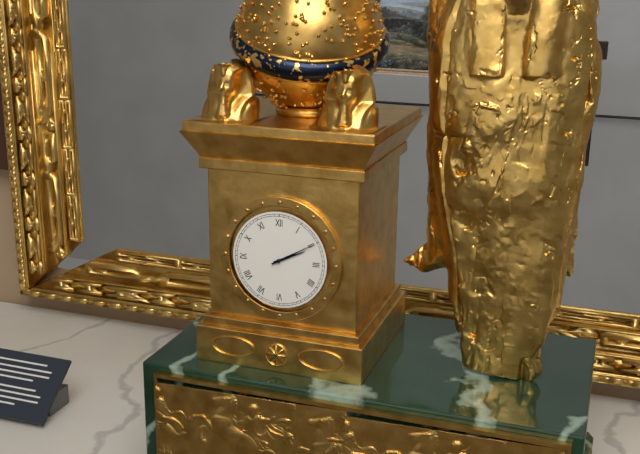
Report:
**2:10**
